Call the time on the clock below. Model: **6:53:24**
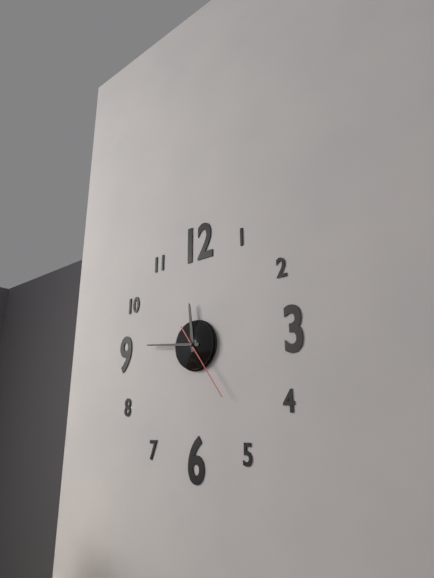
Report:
**11:46:24**
